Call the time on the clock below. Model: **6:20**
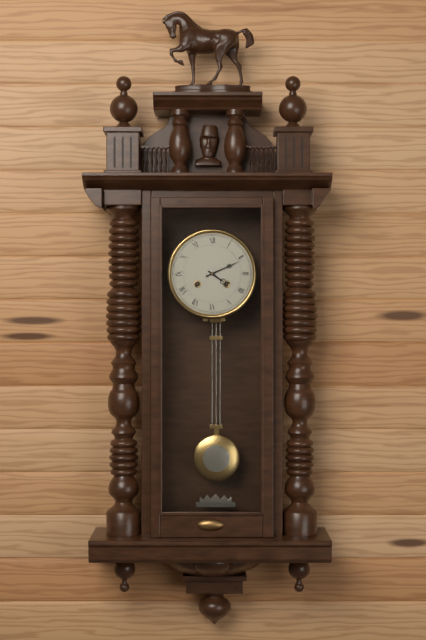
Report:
**4:11**
